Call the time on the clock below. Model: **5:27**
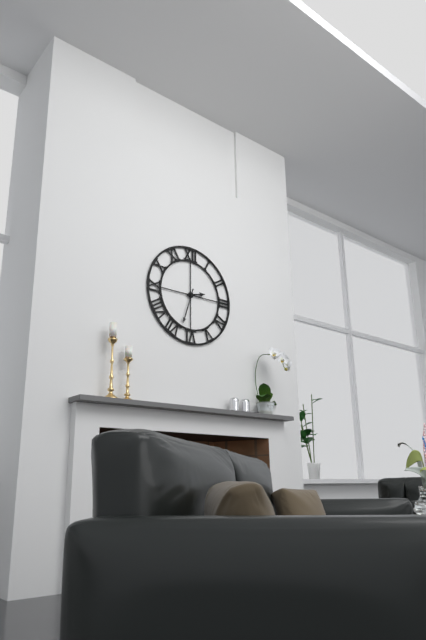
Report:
**2:33**
